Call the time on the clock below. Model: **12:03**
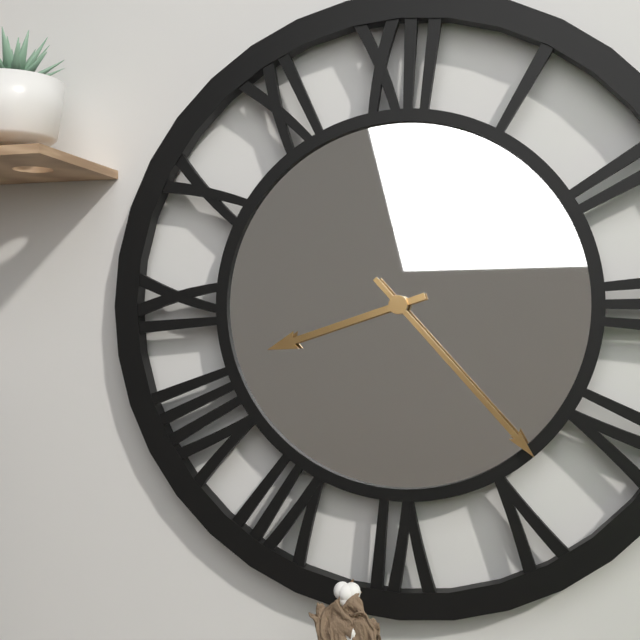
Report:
**8:23**
